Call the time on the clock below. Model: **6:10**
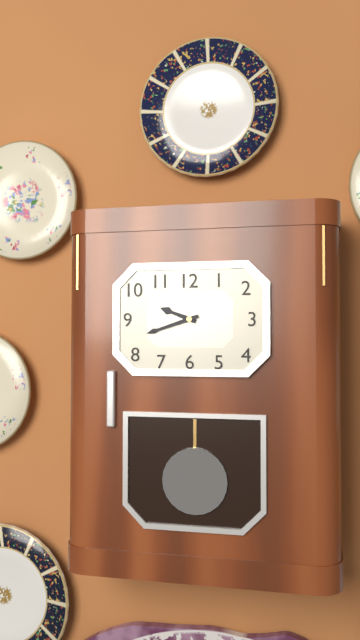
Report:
**9:42**
